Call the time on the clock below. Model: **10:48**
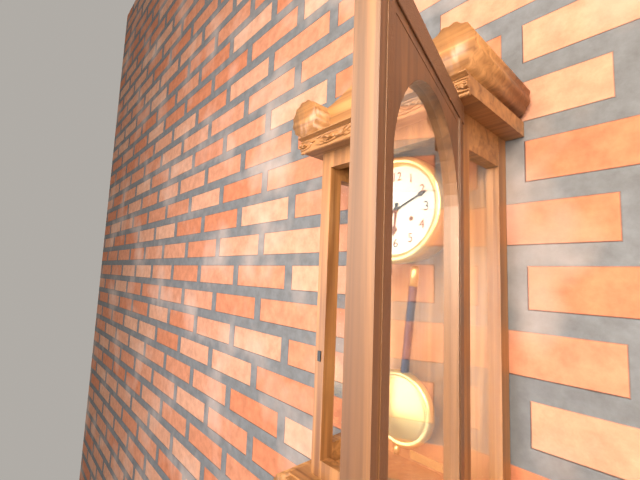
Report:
**6:11**
